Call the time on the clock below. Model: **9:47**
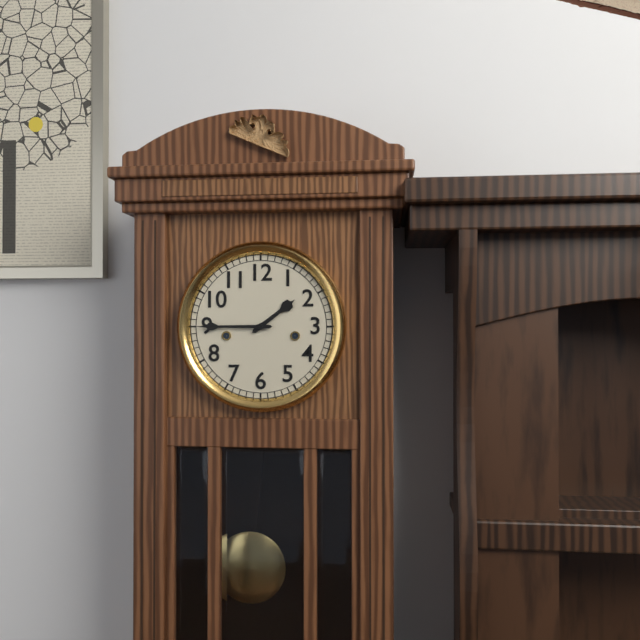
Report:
**1:45**
